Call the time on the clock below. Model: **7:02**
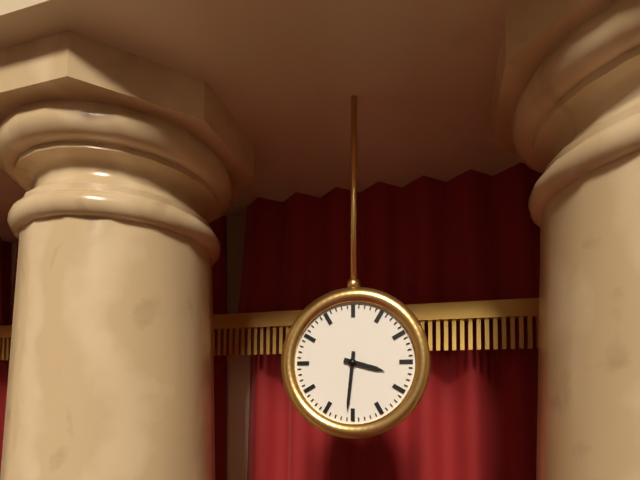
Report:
**3:31**
